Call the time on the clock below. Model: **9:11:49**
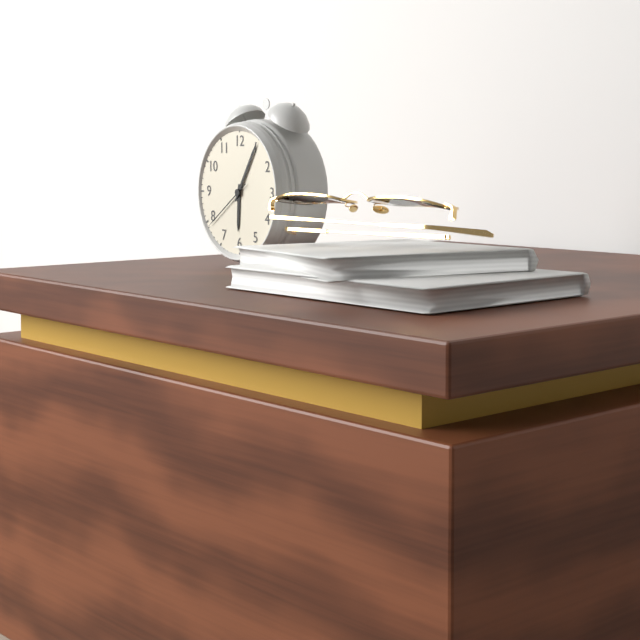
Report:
**6:05:39**
